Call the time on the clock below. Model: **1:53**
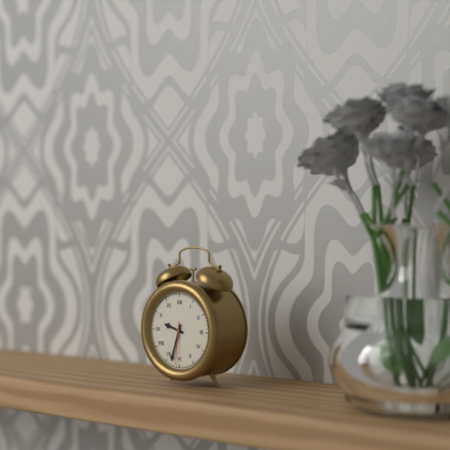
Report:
**9:33**
